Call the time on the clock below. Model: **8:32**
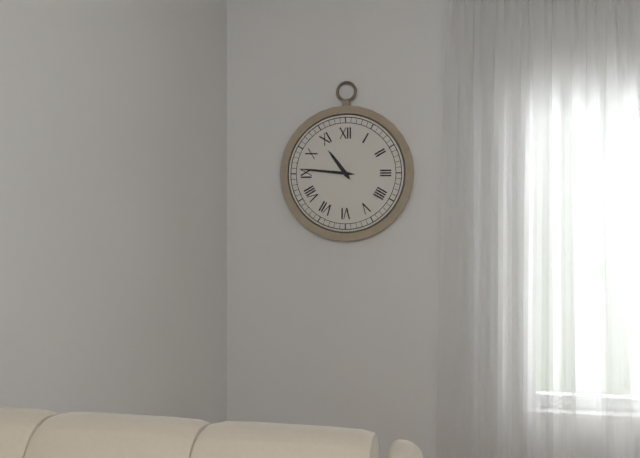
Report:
**10:46**
